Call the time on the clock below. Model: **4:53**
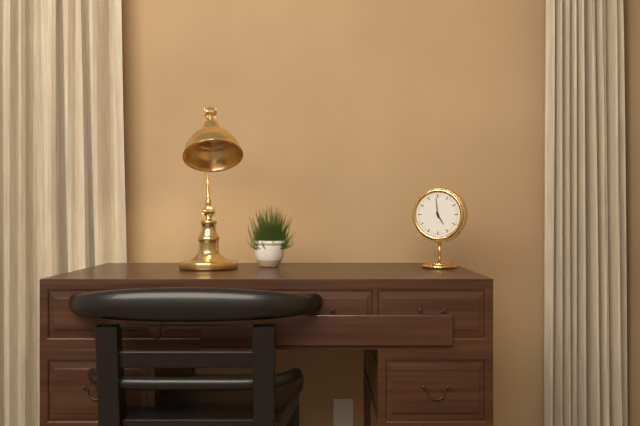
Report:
**4:59**
